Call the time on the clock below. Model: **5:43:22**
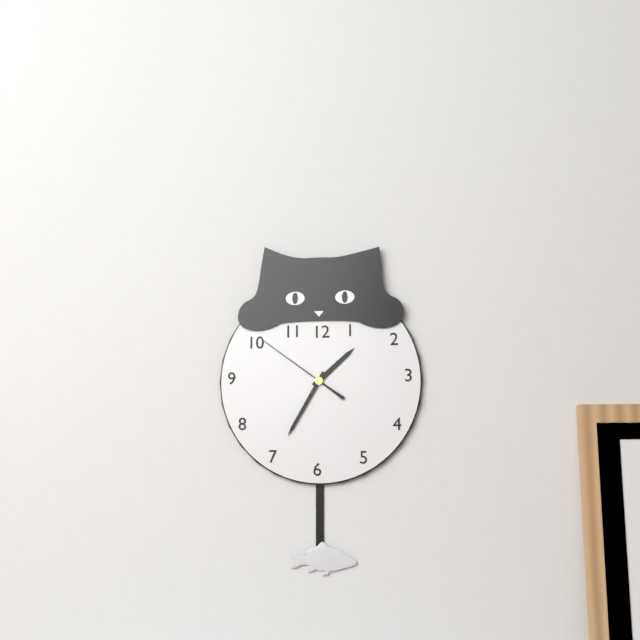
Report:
**1:35:51**
